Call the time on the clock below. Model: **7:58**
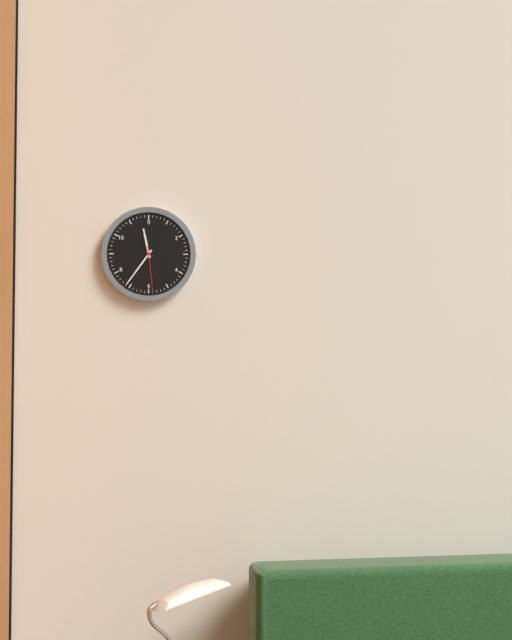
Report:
**11:36**
